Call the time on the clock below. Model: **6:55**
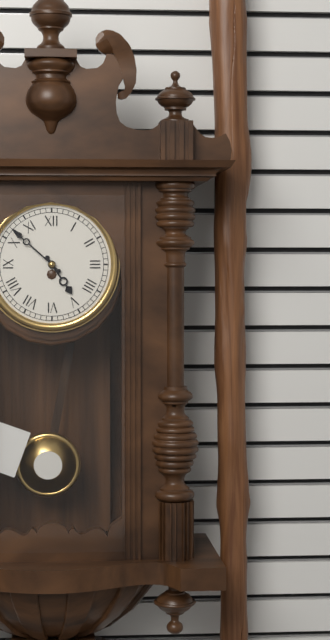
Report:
**4:52**
